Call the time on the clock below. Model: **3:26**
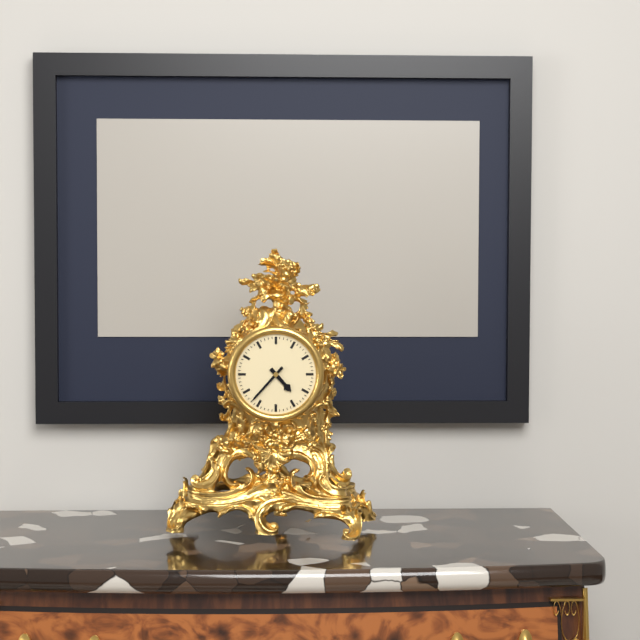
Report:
**4:37**
